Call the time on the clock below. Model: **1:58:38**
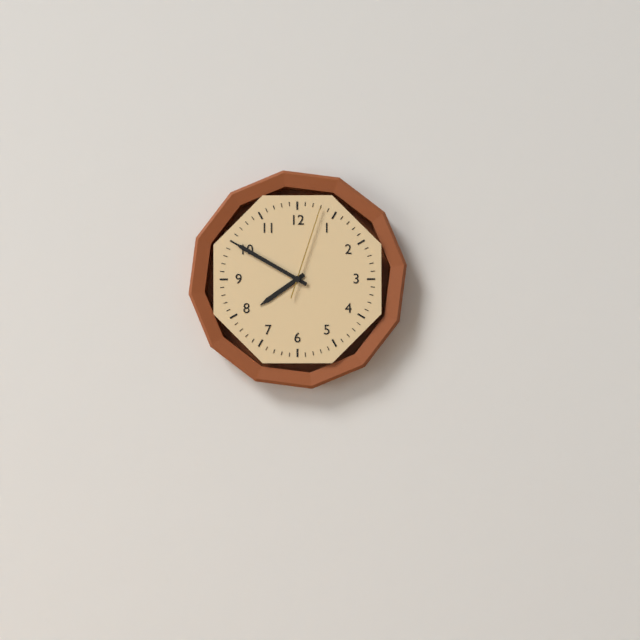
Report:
**7:50:03**
